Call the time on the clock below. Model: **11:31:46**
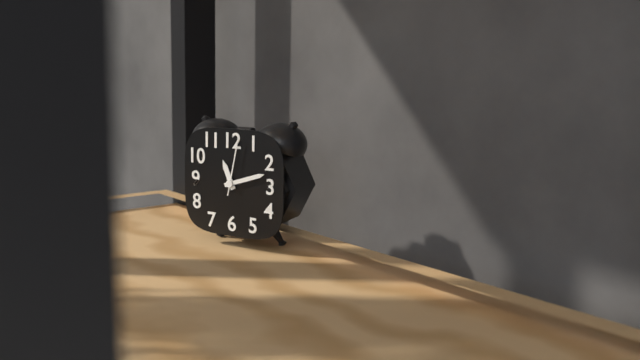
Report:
**11:12:02**
